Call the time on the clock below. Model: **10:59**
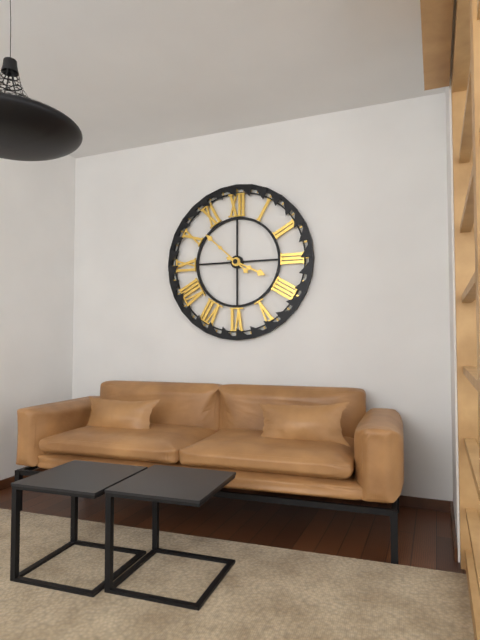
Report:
**3:52**
